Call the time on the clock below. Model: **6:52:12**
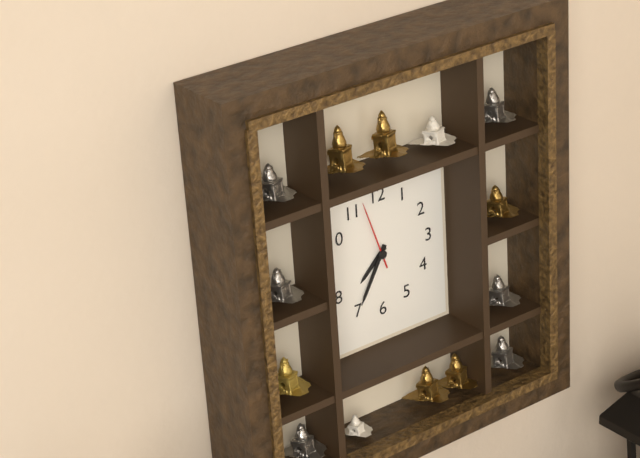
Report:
**7:35:57**
